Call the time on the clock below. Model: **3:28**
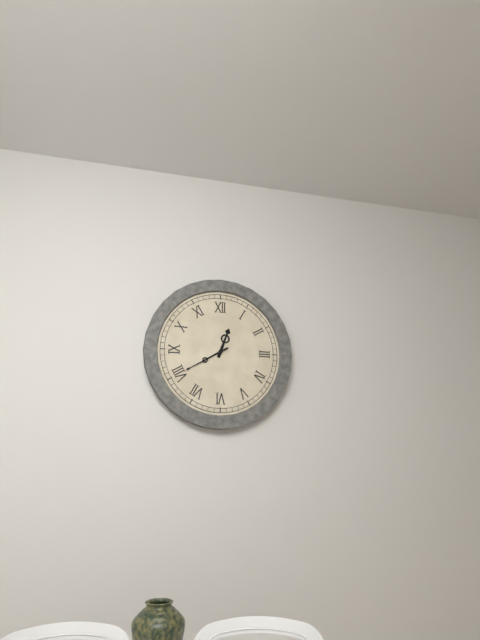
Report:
**12:40**
